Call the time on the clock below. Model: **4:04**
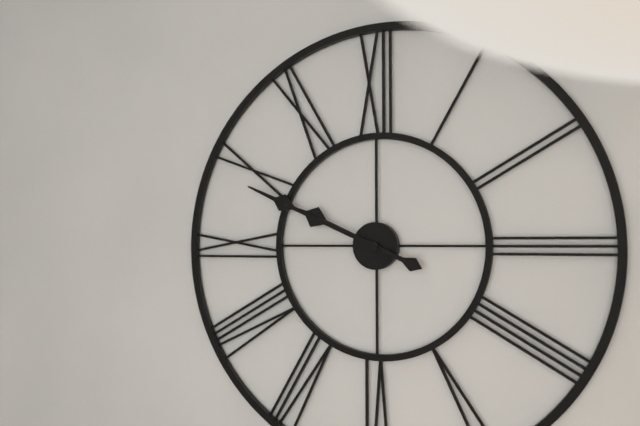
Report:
**9:49**
